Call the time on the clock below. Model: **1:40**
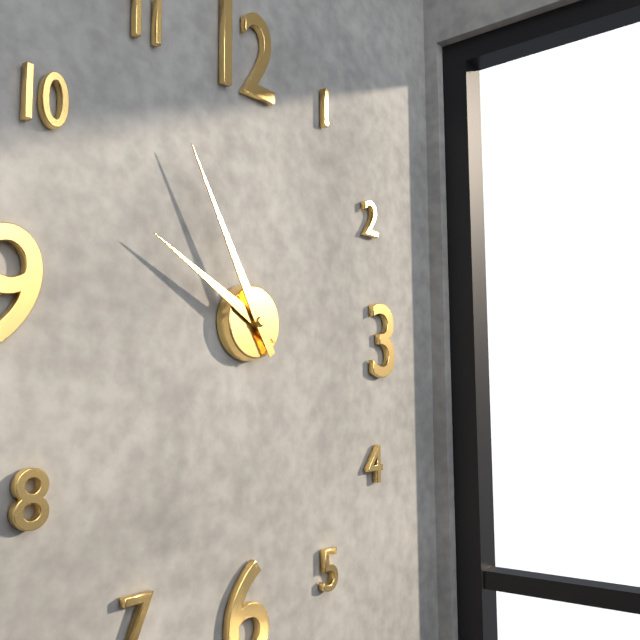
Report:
**9:55**
